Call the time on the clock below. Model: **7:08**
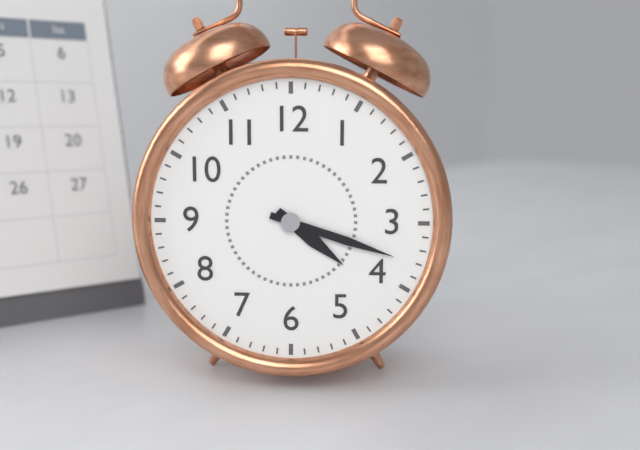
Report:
**4:18**
